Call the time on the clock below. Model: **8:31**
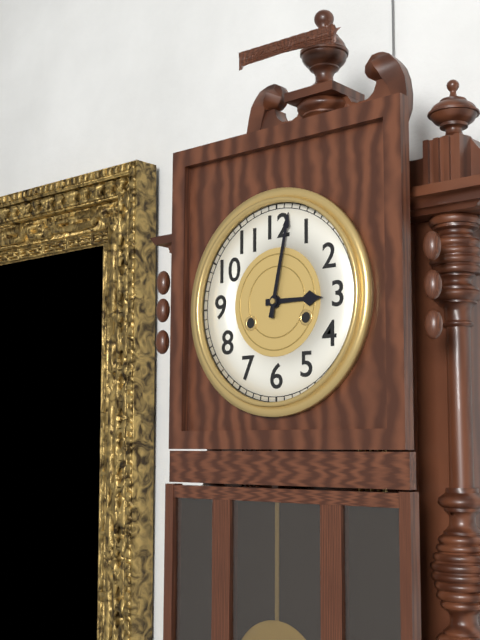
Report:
**3:02**
